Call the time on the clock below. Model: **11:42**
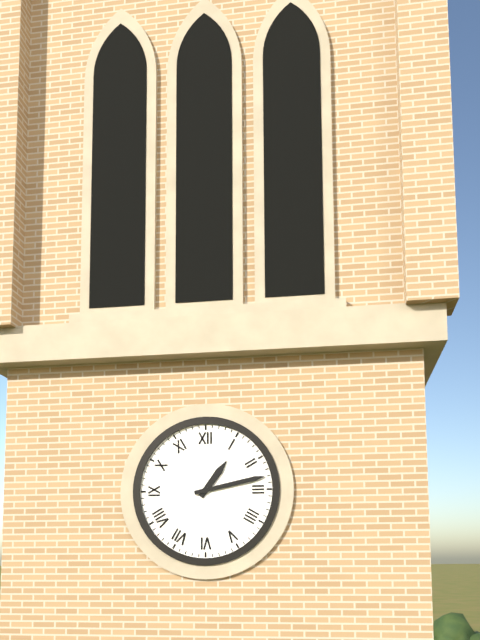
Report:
**1:13**
